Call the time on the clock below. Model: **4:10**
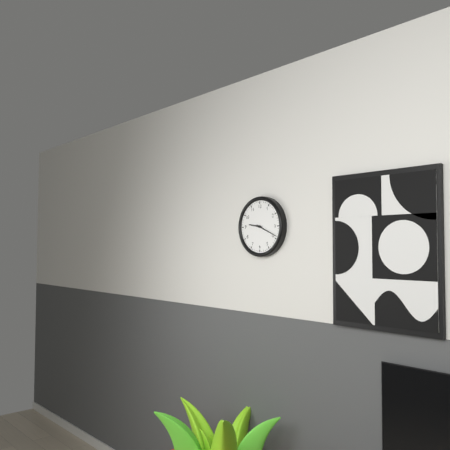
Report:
**9:19**
